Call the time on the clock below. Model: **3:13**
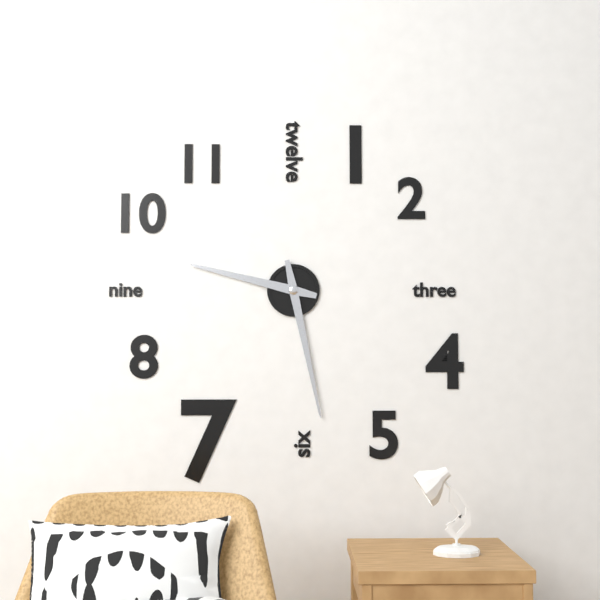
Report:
**9:28**
